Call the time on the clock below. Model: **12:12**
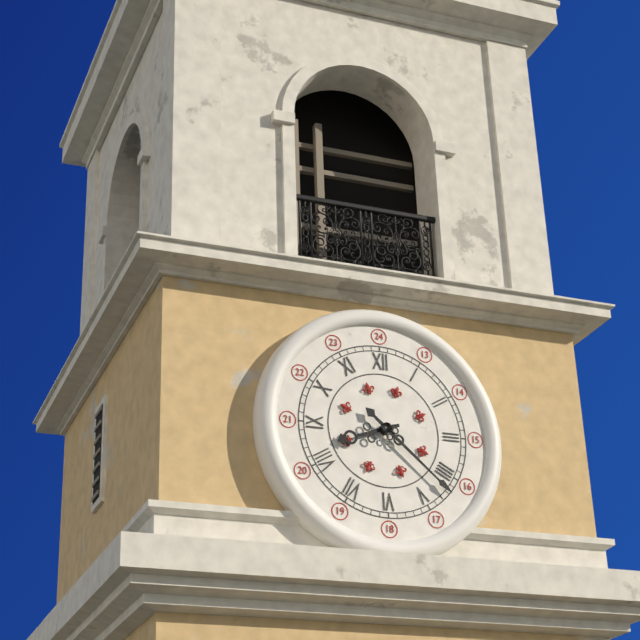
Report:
**8:22**
